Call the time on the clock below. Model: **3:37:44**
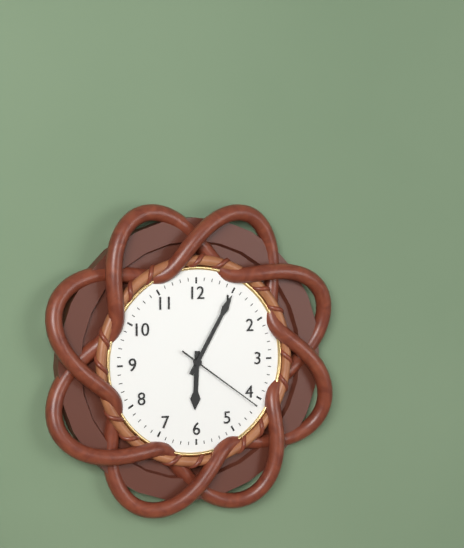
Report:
**6:05:21**
